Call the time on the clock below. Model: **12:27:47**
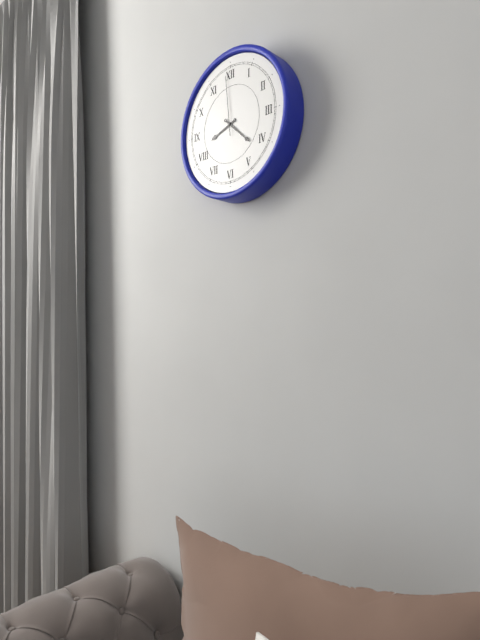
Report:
**8:22:59**
